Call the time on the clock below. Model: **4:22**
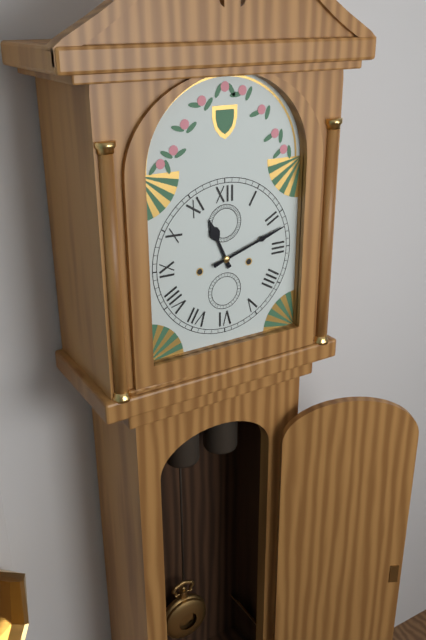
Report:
**11:12**
